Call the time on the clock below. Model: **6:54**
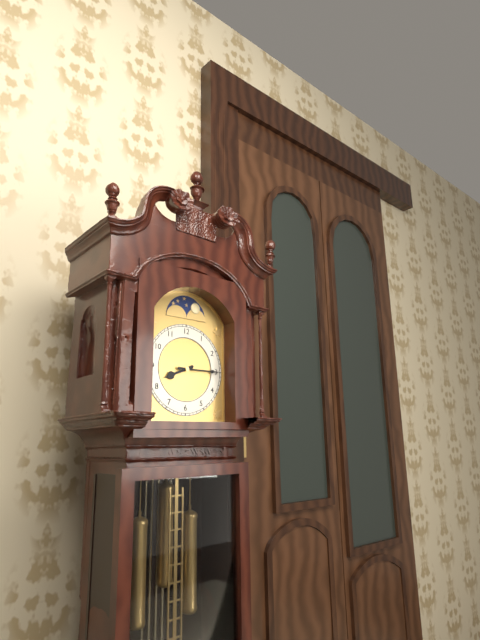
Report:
**8:15**
